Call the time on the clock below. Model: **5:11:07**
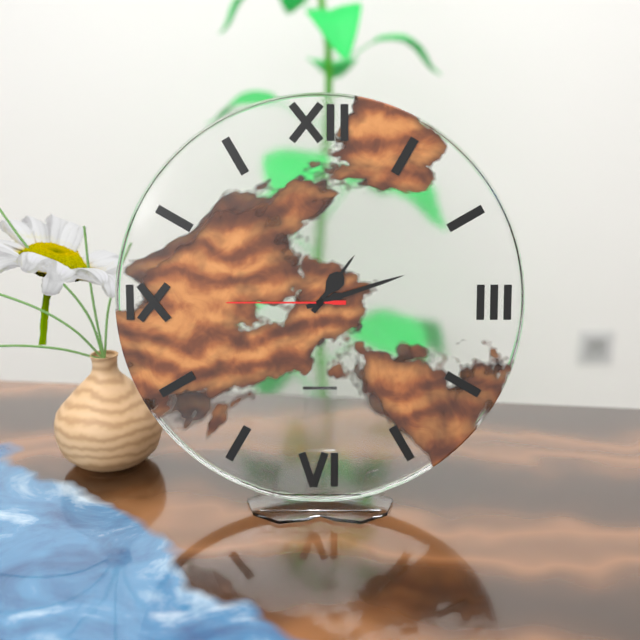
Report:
**1:12:45**
